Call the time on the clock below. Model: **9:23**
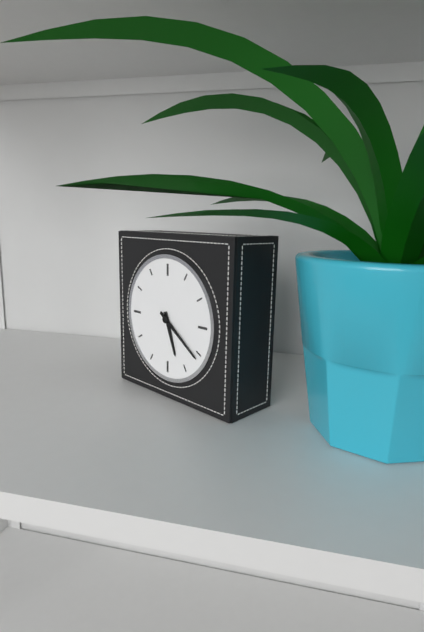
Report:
**5:21**
